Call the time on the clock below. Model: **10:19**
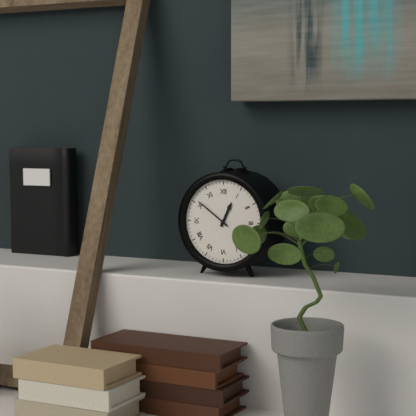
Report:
**12:51**
